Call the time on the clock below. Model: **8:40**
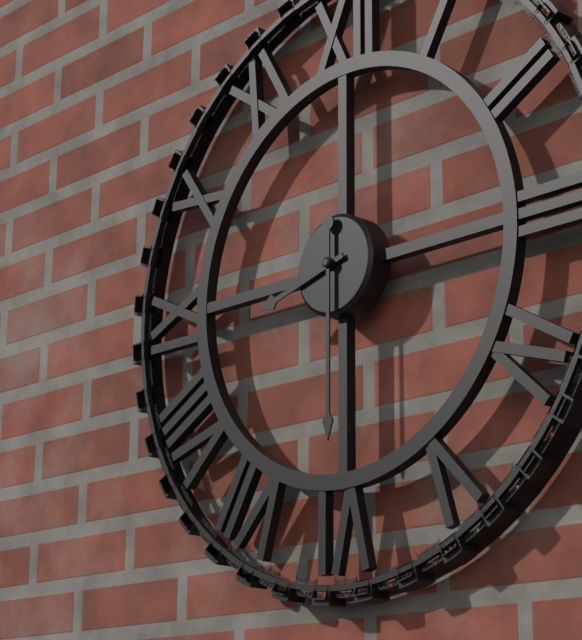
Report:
**8:30**
